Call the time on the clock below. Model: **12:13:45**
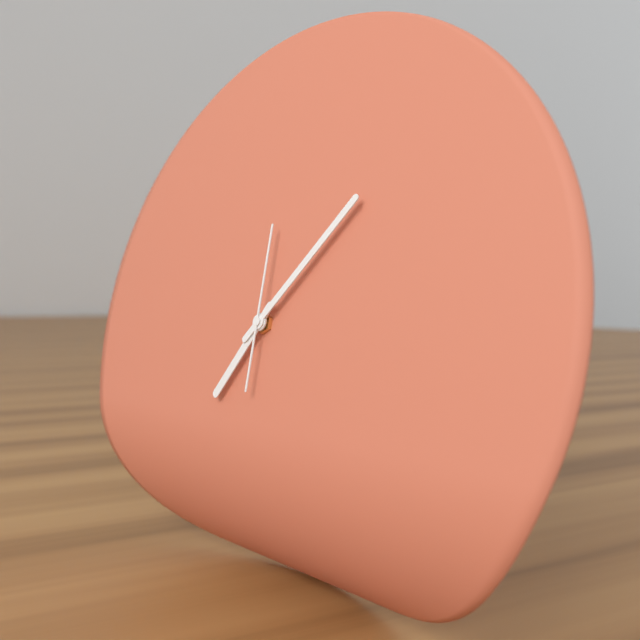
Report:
**7:07:00**
